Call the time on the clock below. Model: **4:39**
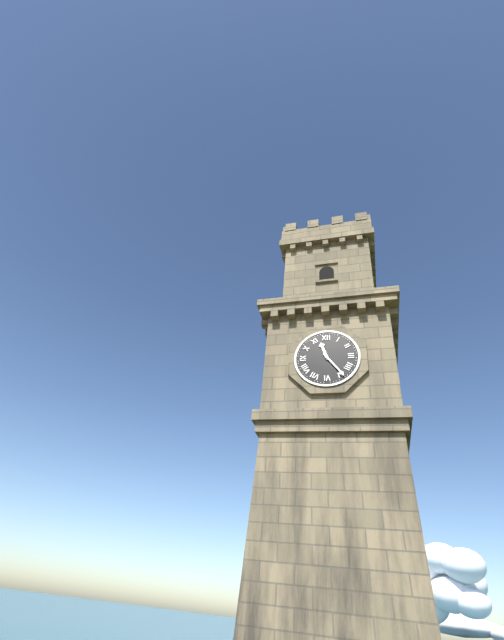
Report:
**11:24**
